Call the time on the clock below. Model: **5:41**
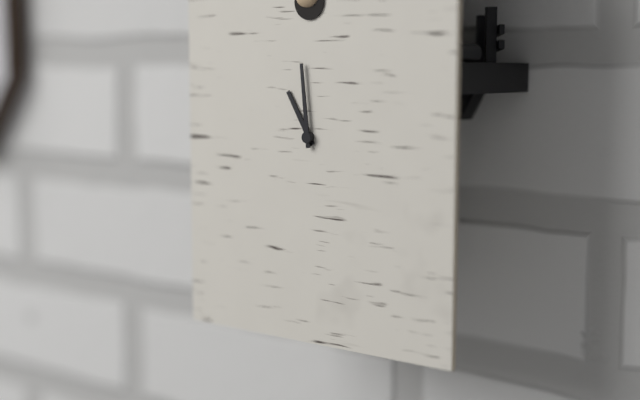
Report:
**10:59**
